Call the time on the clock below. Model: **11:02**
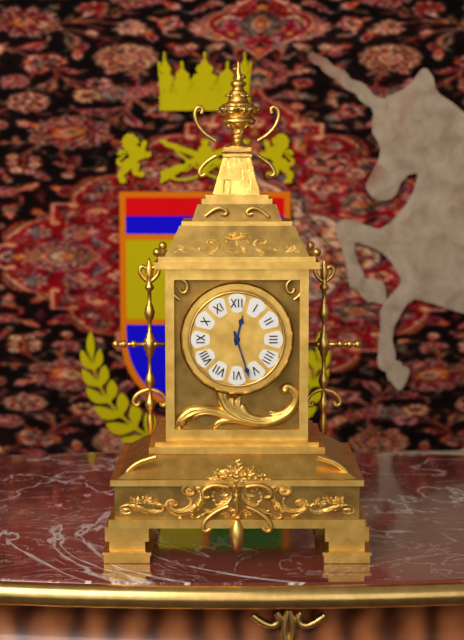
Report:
**12:27**
